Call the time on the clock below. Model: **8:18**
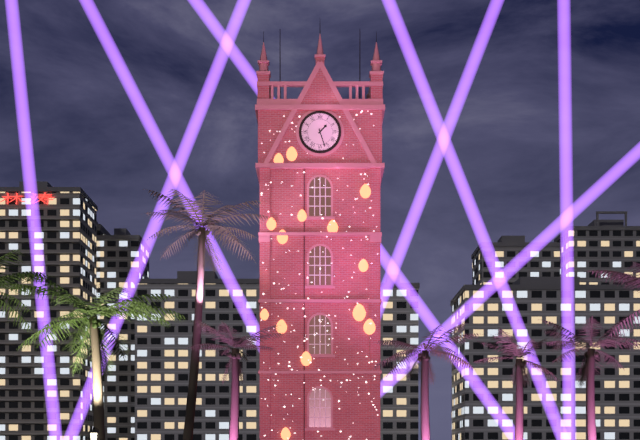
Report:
**1:27**
